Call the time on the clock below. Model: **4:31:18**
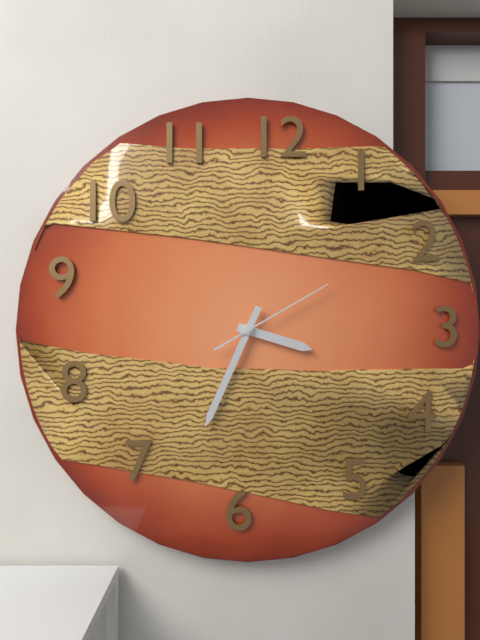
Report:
**3:34:10**
